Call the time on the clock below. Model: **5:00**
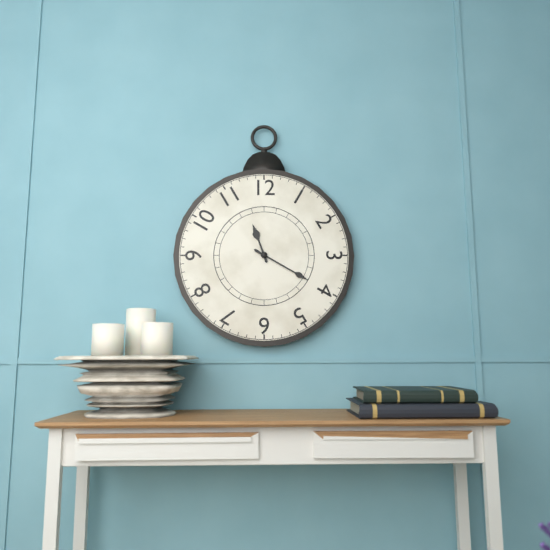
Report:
**11:20**
